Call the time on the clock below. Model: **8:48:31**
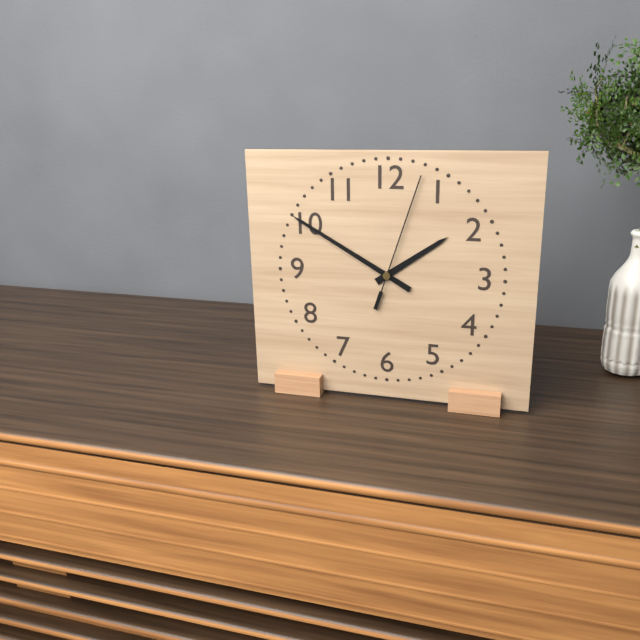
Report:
**1:50:03**
